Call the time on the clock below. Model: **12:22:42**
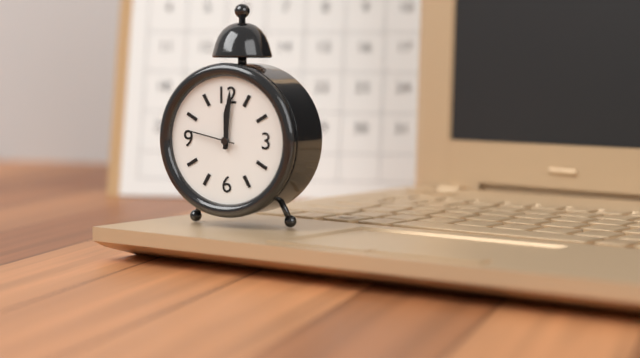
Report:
**12:01:47**
